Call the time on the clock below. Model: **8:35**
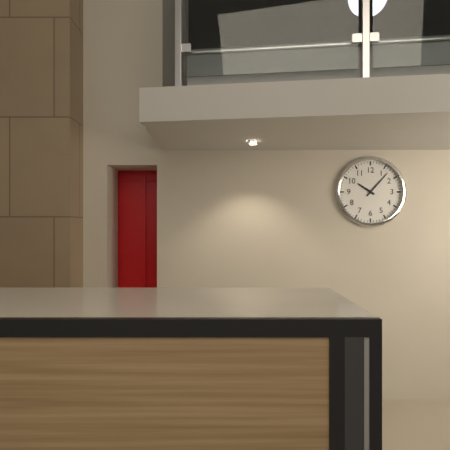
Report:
**10:07**
